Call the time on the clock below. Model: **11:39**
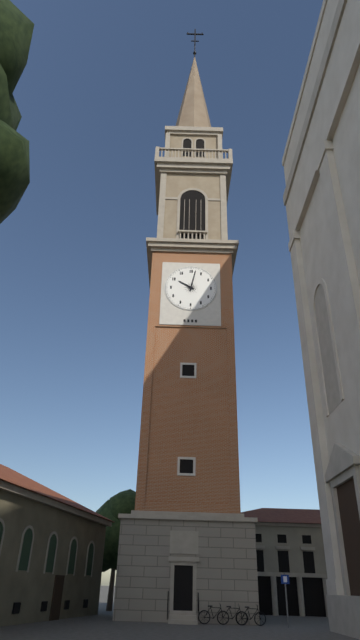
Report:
**10:02**
